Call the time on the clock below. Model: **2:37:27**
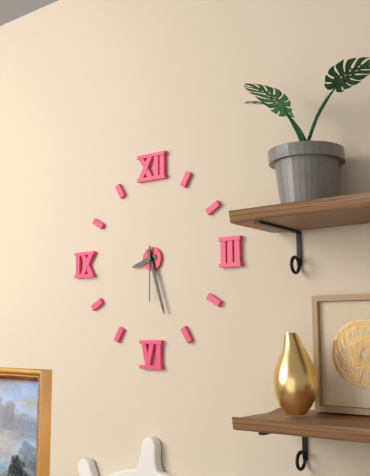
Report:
**8:27:30**
